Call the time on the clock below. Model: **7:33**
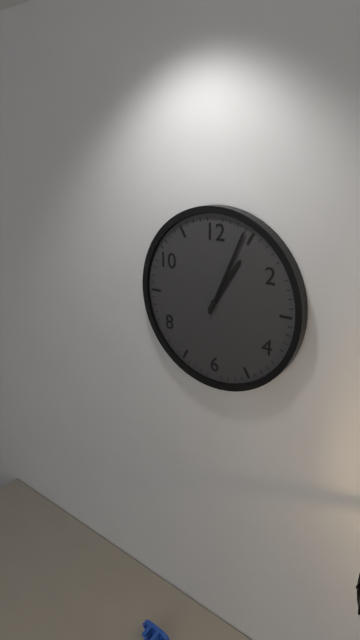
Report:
**1:04**
